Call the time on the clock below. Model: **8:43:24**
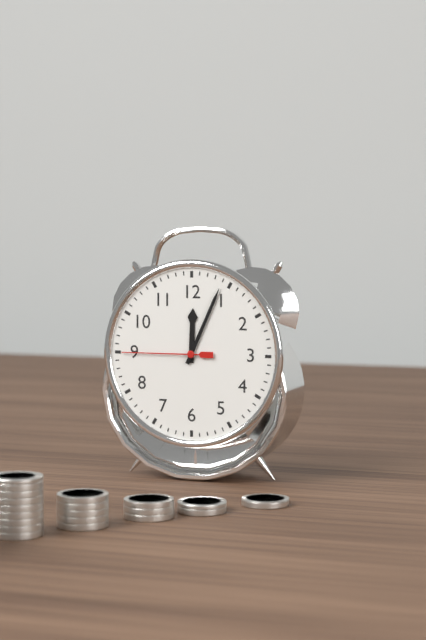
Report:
**12:04:45**
